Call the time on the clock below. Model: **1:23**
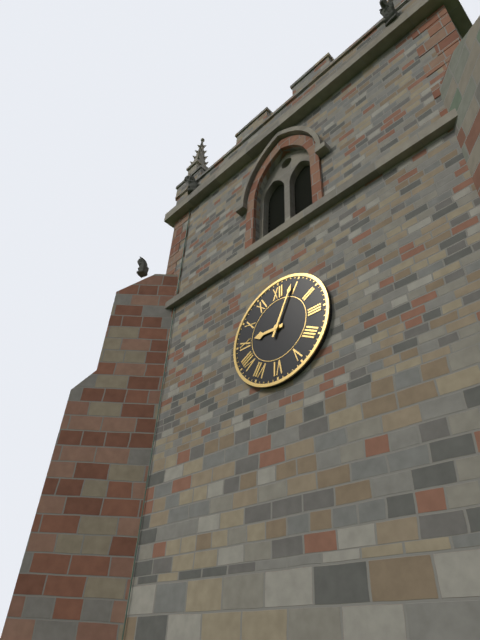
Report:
**9:04**
